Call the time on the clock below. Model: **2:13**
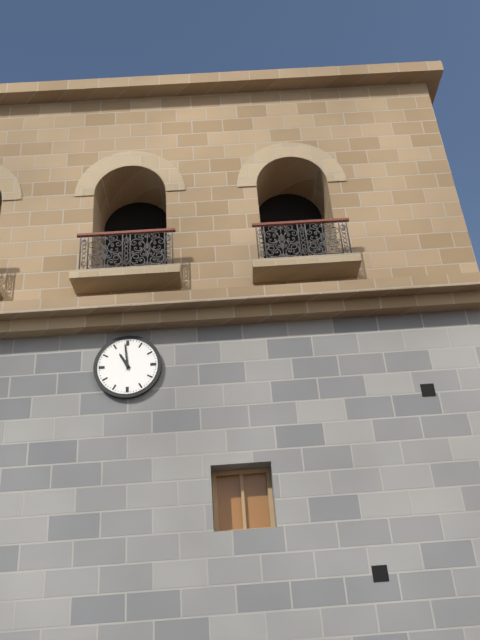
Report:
**10:59**
